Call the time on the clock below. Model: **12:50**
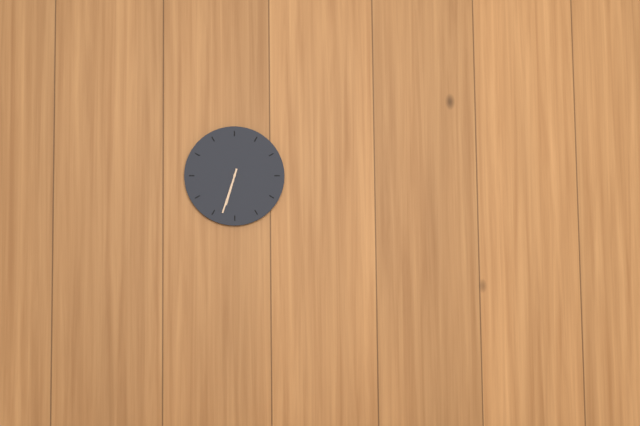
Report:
**6:33**
